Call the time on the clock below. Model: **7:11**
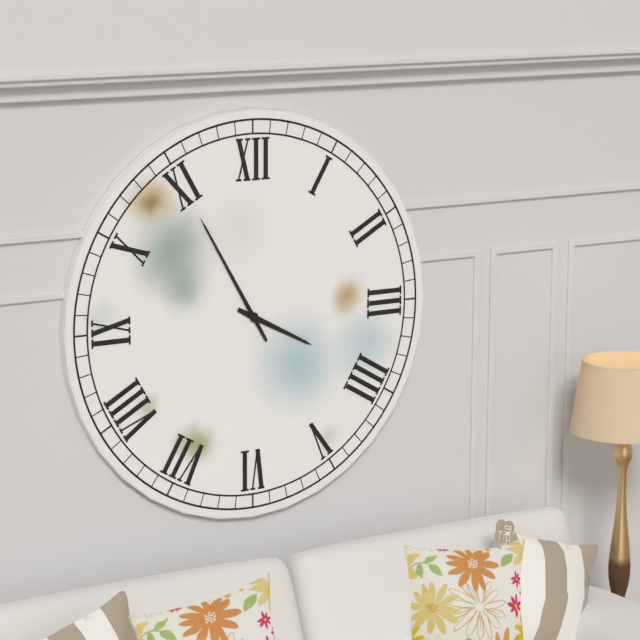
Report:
**3:55**
